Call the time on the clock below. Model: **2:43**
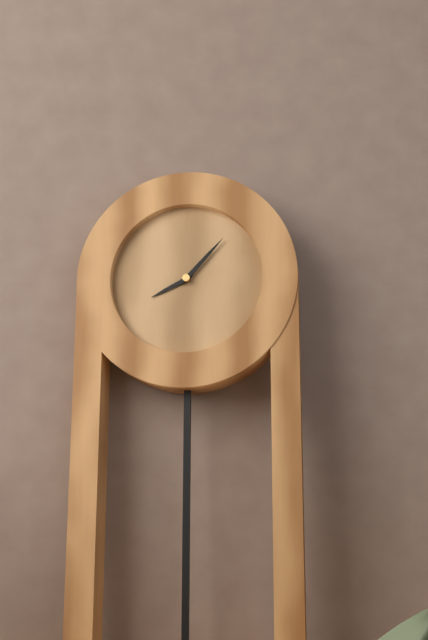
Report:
**8:07**
